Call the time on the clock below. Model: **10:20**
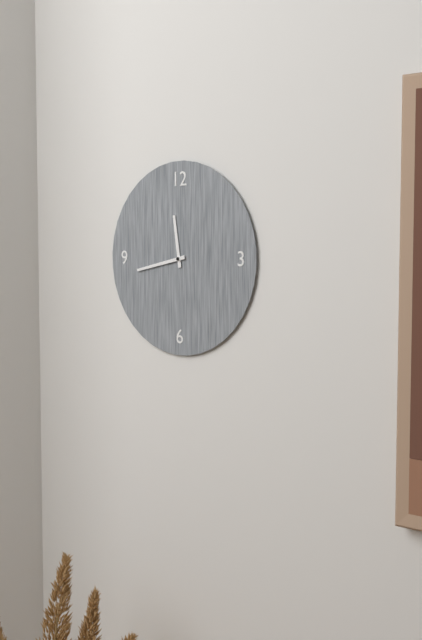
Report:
**11:43**
